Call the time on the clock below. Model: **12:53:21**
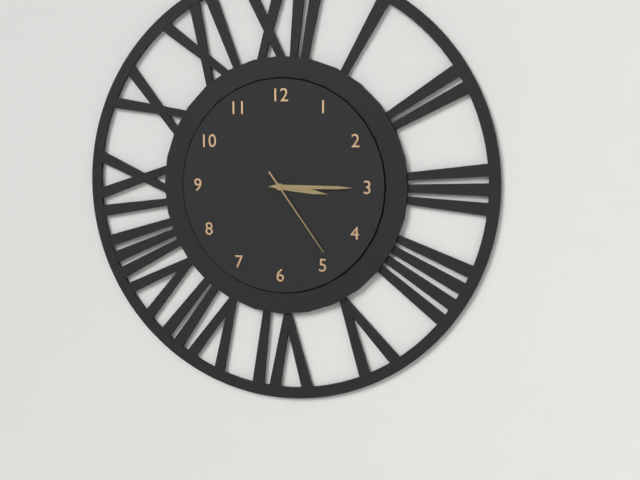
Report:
**3:15:24**
